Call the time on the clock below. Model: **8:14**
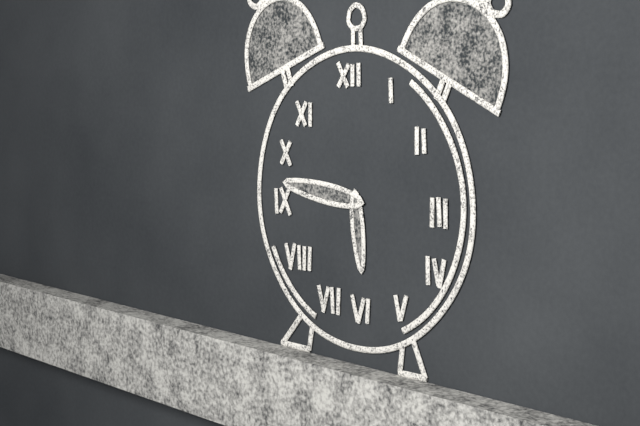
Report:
**5:46**
